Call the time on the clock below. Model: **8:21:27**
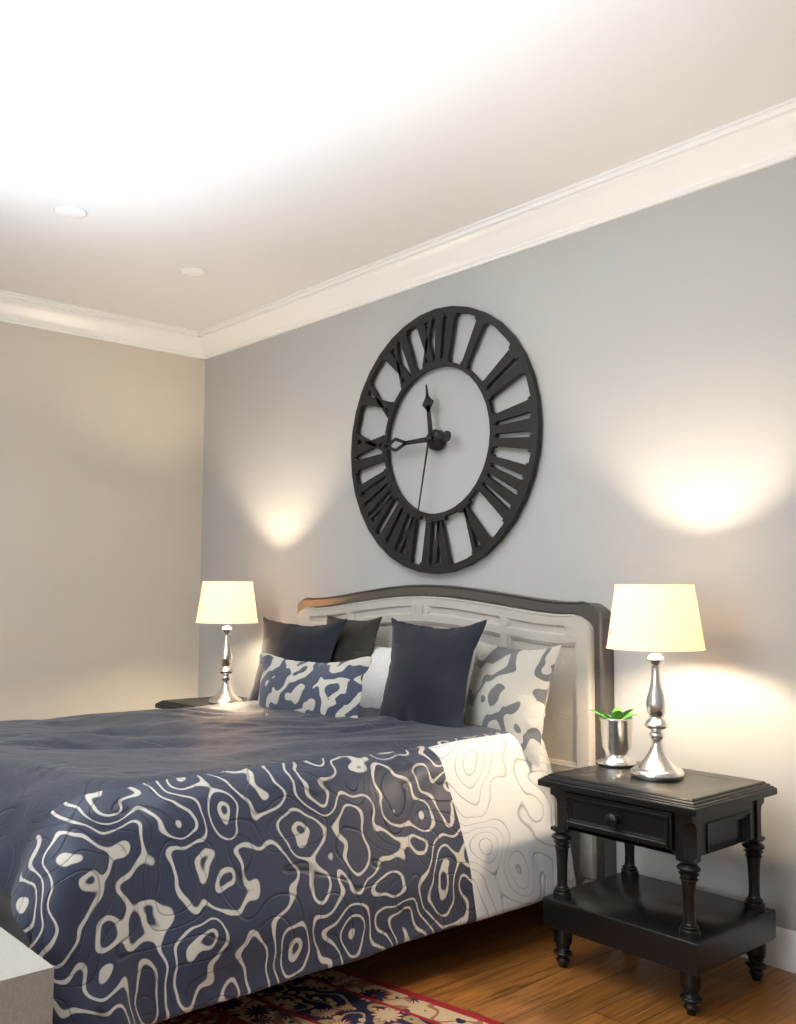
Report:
**11:45:32**
